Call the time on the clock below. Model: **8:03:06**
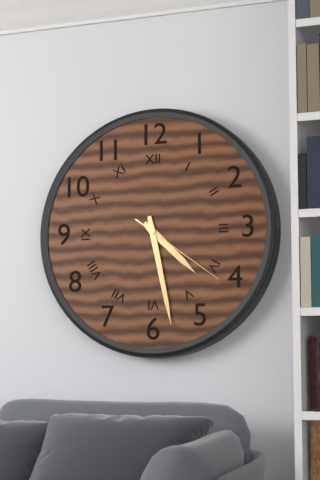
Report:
**4:28:21**
